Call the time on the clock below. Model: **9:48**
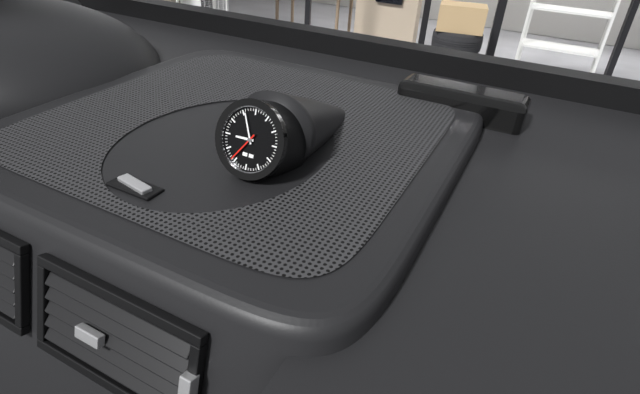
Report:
**8:56**
